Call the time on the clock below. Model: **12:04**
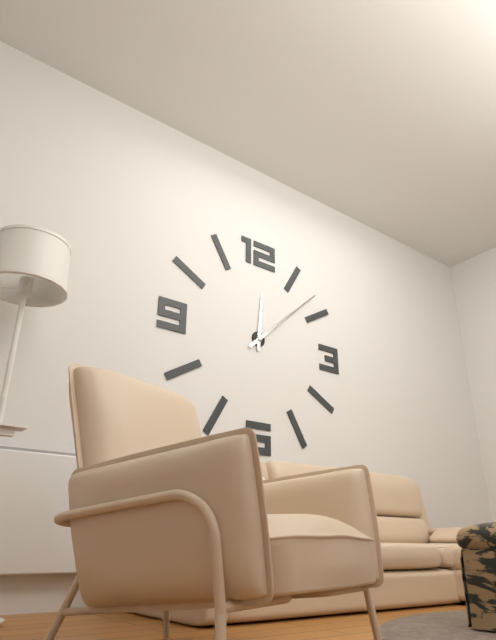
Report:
**12:08**
